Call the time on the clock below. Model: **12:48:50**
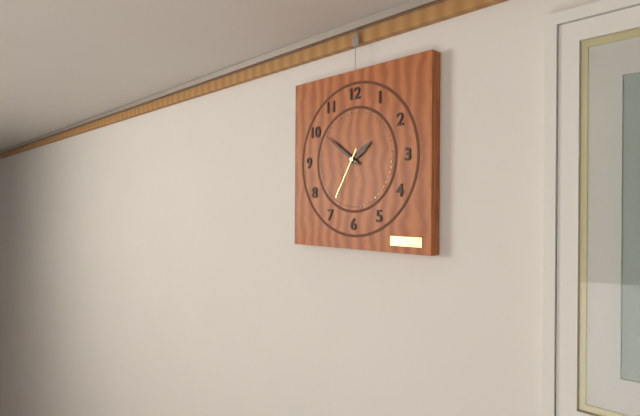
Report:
**1:51:35**
